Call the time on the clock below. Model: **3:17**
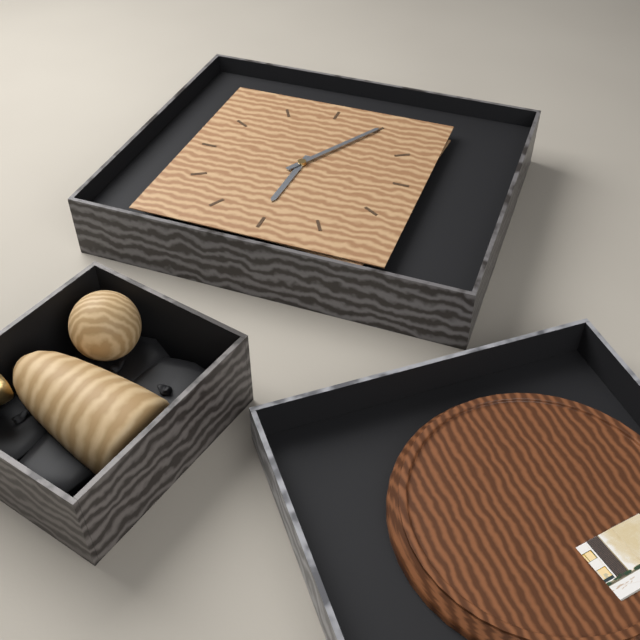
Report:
**6:05**
